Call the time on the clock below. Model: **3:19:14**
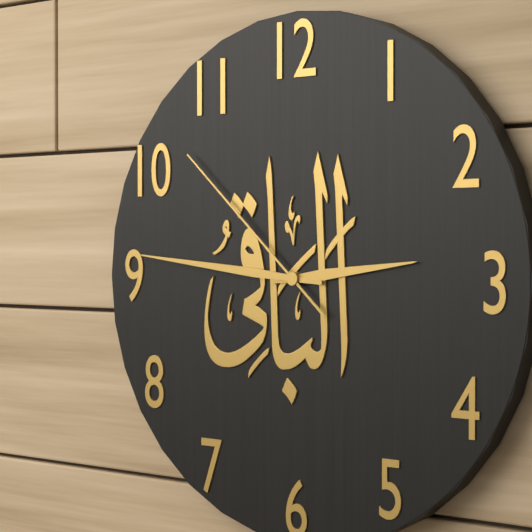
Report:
**2:46:52**
